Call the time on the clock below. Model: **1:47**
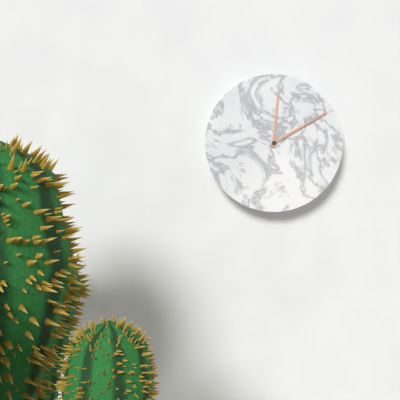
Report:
**12:10**
